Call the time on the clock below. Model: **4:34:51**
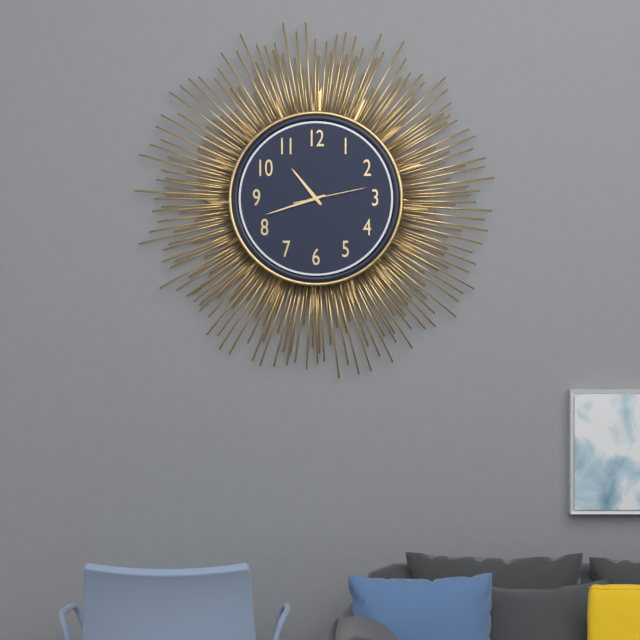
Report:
**10:42:13**
